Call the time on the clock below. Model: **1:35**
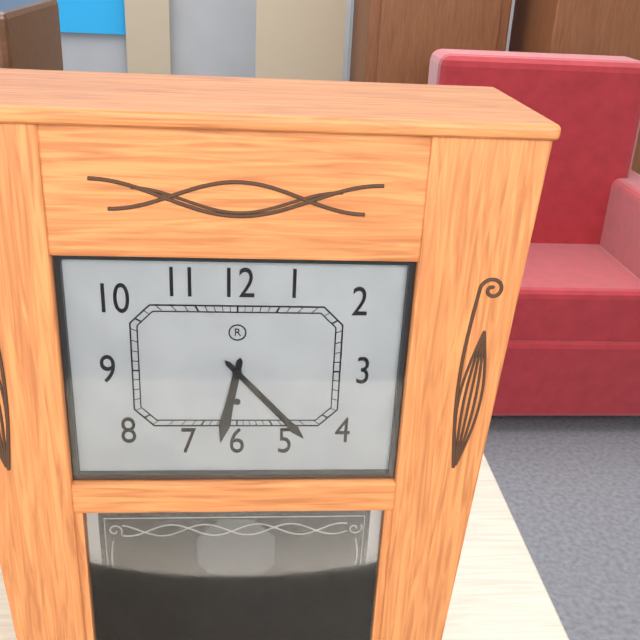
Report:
**6:23**
